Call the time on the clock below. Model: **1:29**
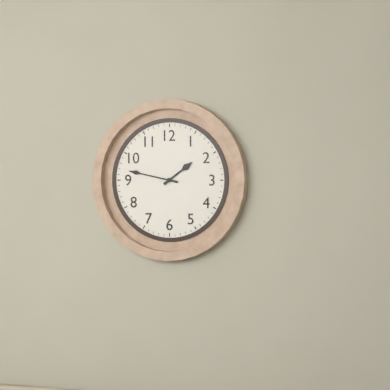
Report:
**1:47**
